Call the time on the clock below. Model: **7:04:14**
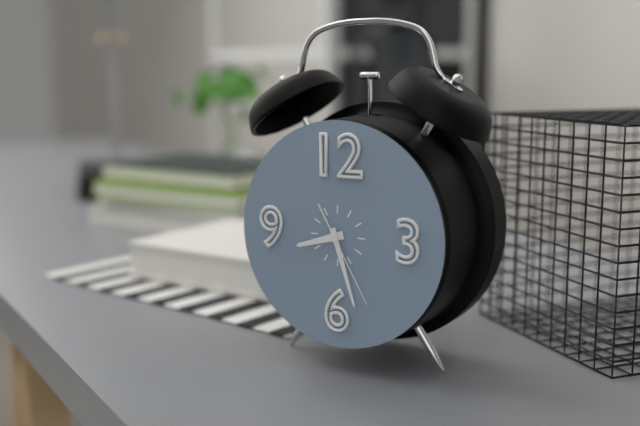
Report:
**8:27:25**
